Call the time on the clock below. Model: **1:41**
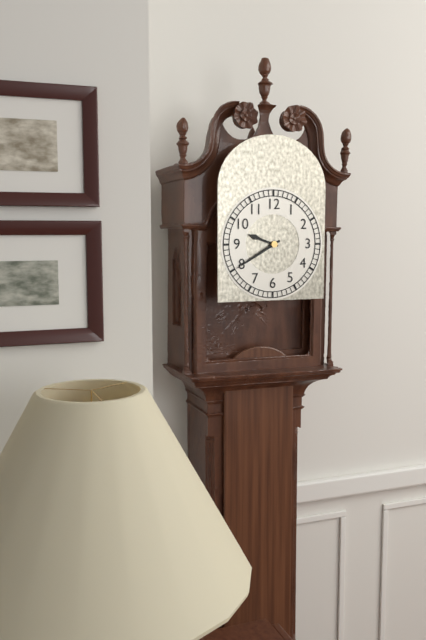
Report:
**9:40**
